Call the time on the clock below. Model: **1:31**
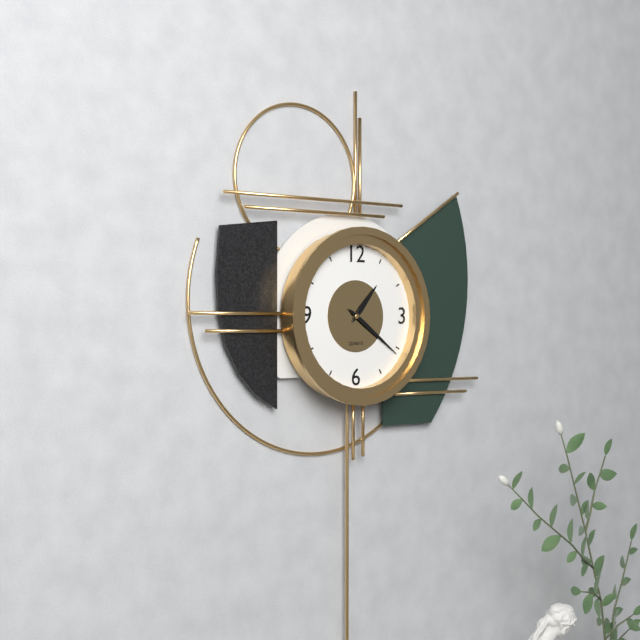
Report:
**1:21**
